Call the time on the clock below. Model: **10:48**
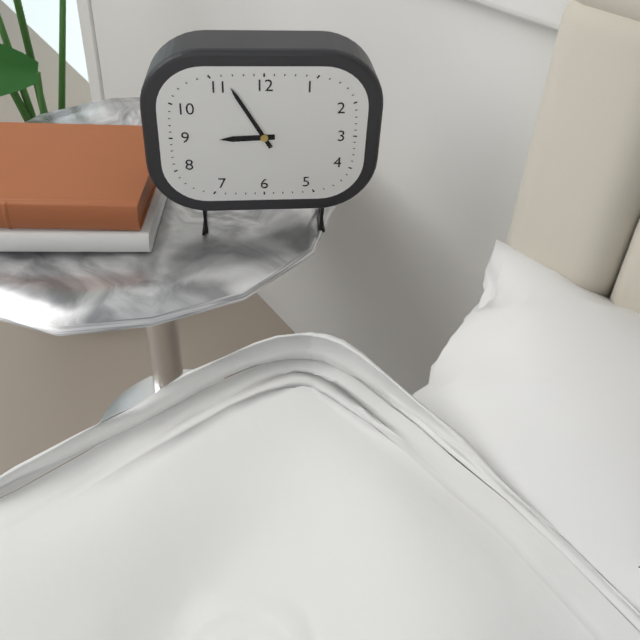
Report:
**8:55**
